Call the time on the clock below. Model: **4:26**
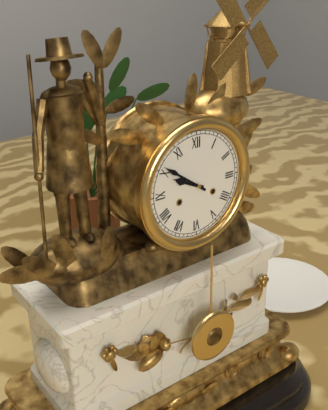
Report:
**9:51**
